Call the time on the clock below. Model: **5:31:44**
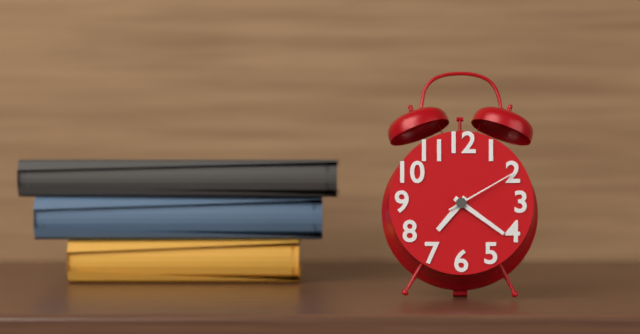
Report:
**7:21:10**
